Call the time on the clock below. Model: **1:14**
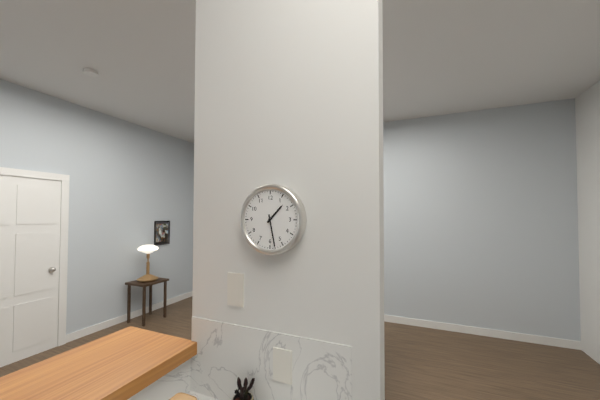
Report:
**1:28**
